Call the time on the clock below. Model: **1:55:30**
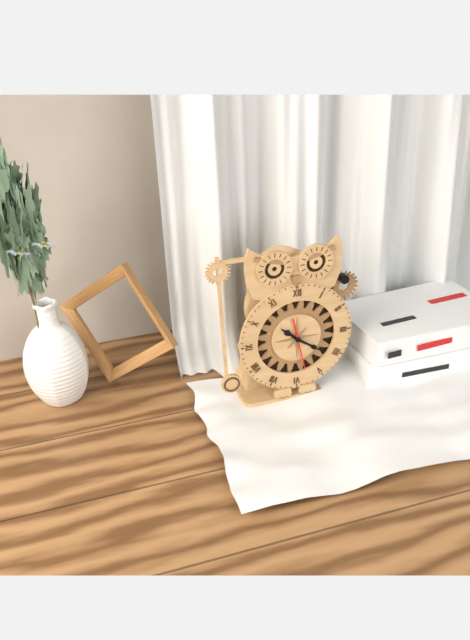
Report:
**10:21:28**
